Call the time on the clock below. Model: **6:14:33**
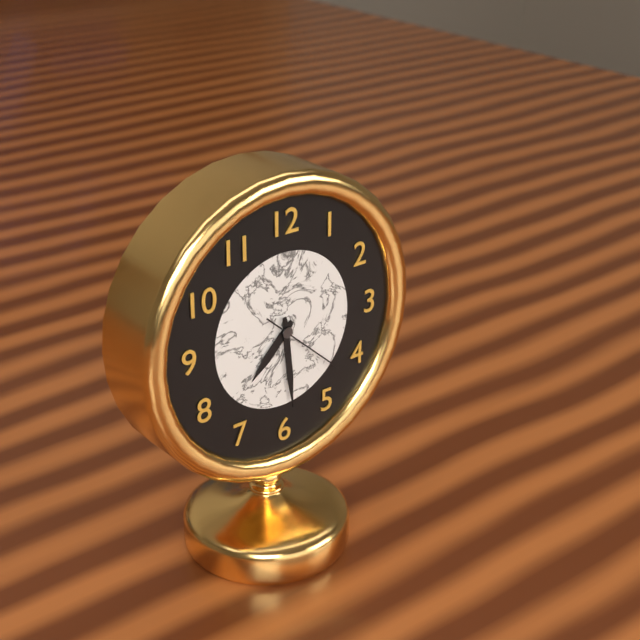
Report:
**7:29:22**
